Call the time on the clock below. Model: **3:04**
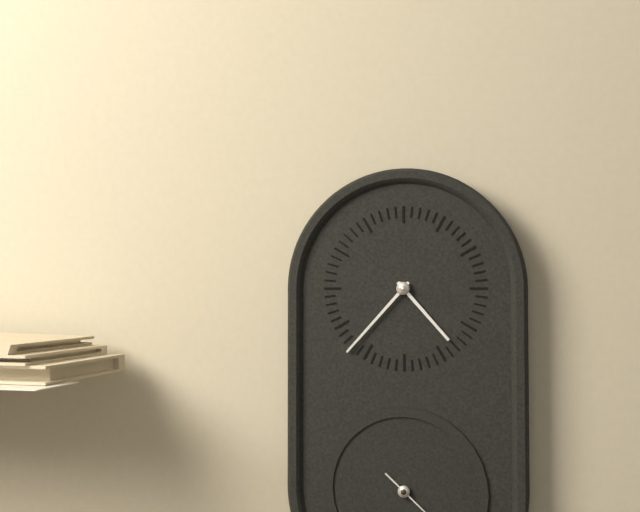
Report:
**4:37**
